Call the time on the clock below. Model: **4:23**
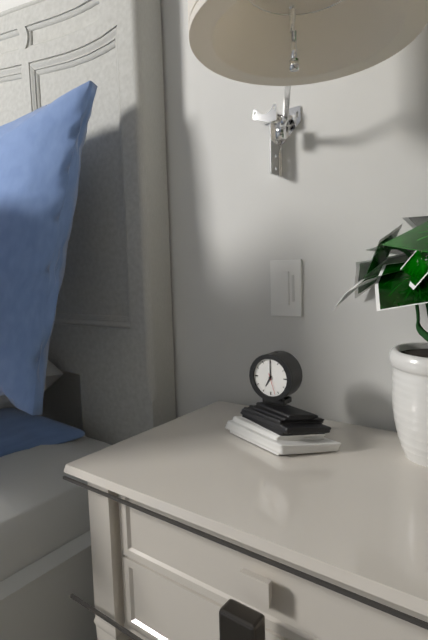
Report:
**7:00**
